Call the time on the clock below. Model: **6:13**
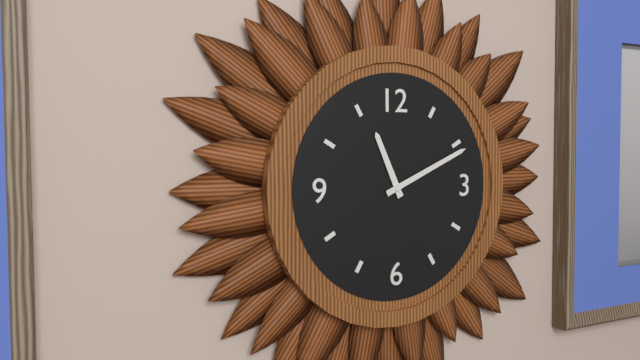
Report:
**11:11**
